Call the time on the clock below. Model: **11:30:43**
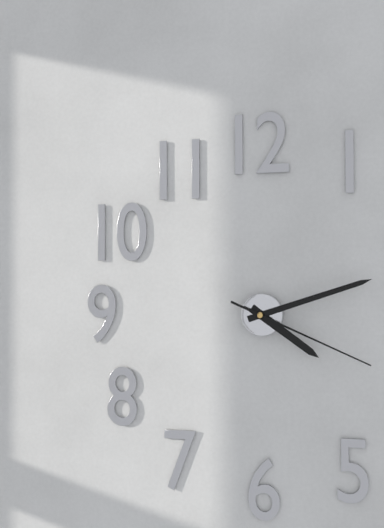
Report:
**4:12:19**
